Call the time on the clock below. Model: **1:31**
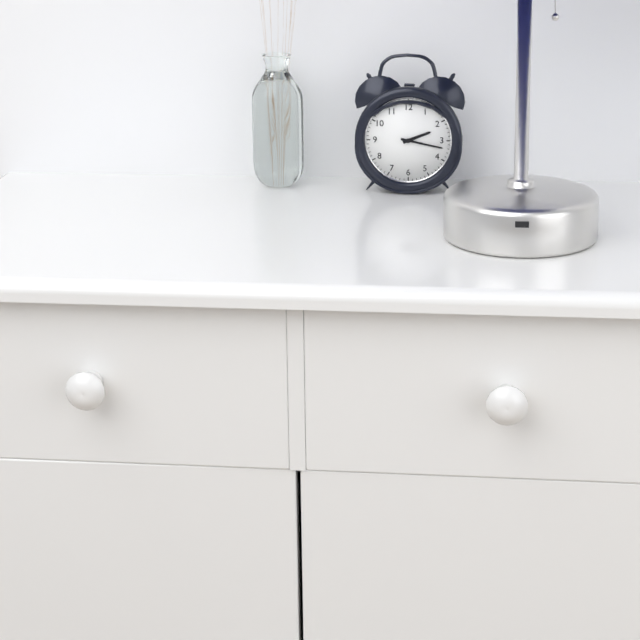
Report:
**2:17**
